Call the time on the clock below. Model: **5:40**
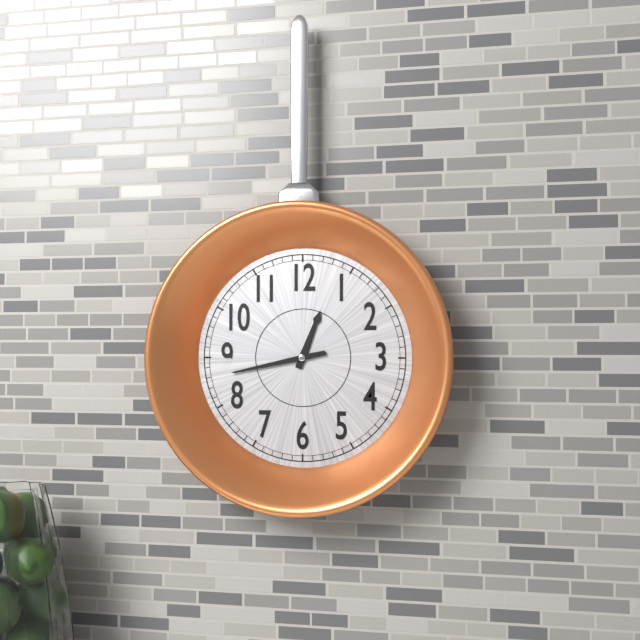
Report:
**12:43**
